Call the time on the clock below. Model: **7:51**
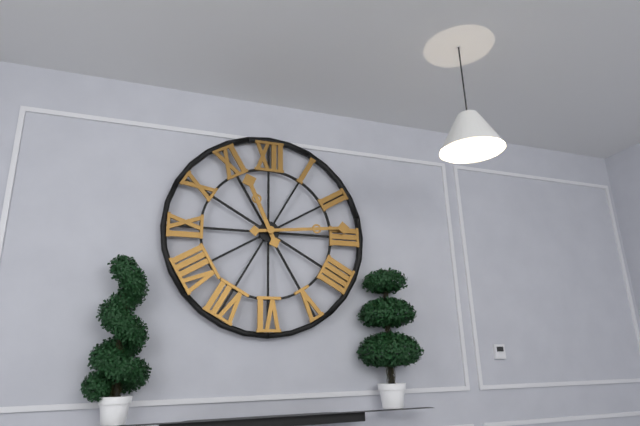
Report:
**11:14**
